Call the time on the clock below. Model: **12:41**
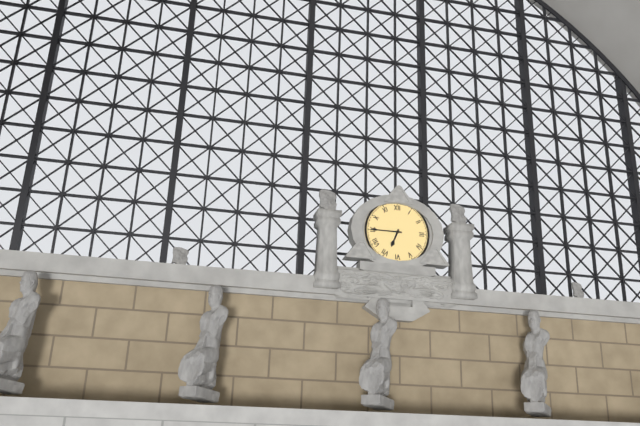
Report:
**6:45**
